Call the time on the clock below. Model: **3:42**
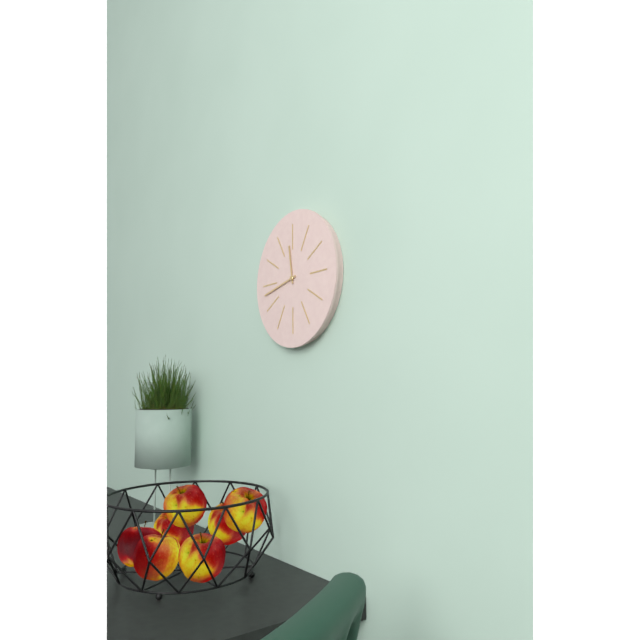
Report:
**11:43**
